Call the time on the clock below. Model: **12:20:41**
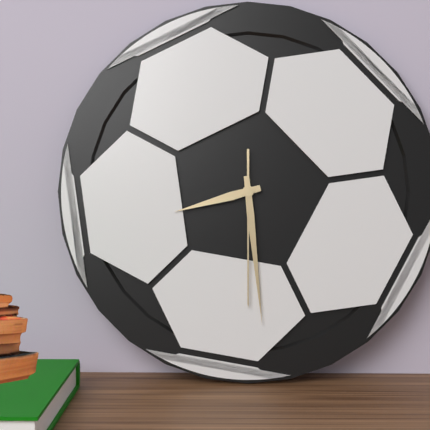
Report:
**8:29:30**
